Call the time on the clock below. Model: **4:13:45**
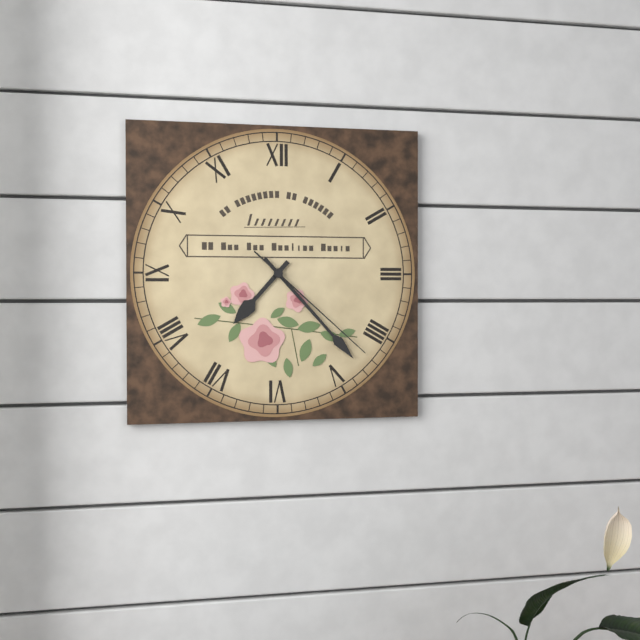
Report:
**7:23:22**
